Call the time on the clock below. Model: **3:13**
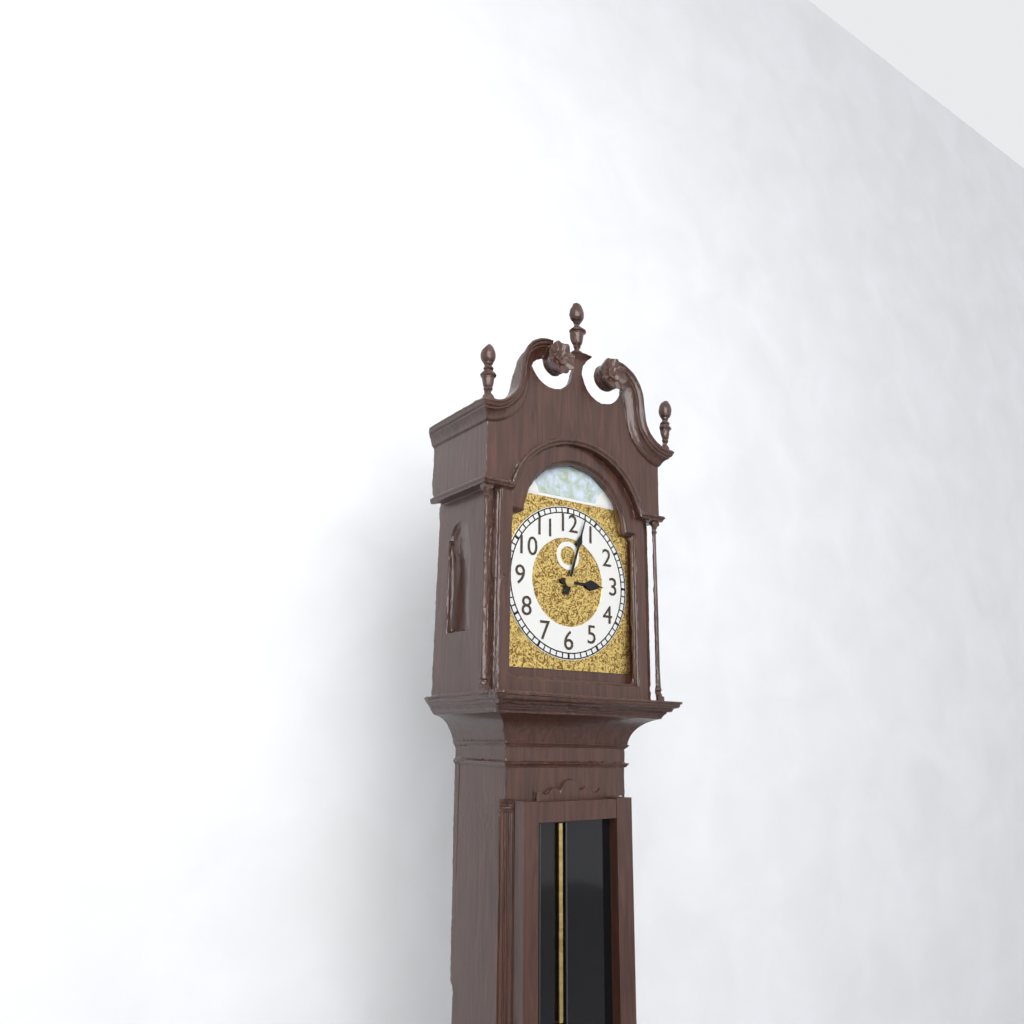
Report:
**3:03**
